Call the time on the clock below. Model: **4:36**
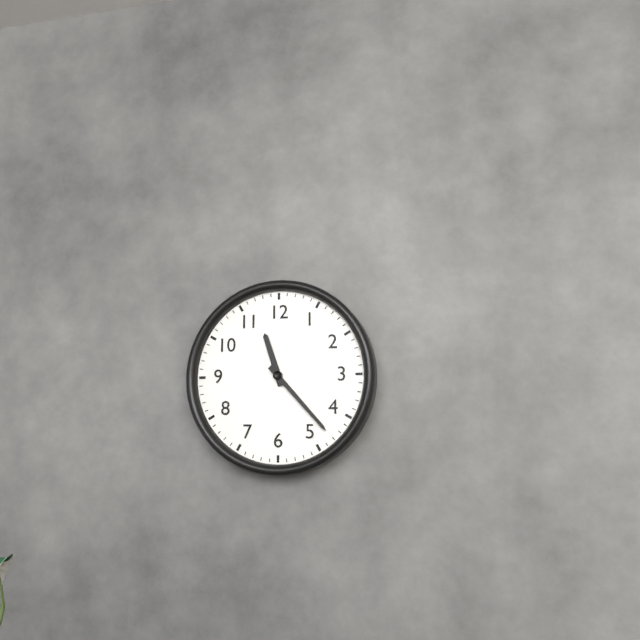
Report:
**11:23**
